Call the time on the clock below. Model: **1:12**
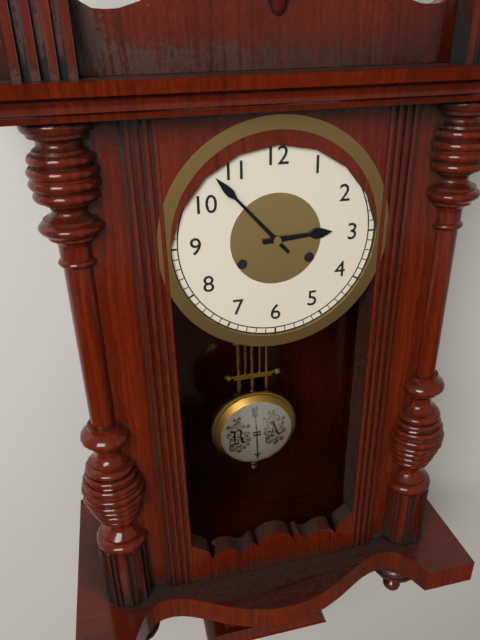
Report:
**2:53**
